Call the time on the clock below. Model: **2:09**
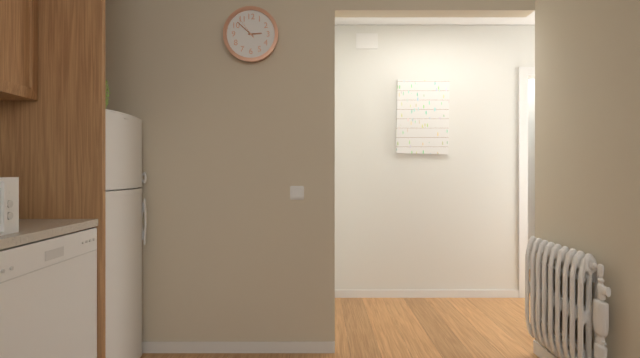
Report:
**2:52**
